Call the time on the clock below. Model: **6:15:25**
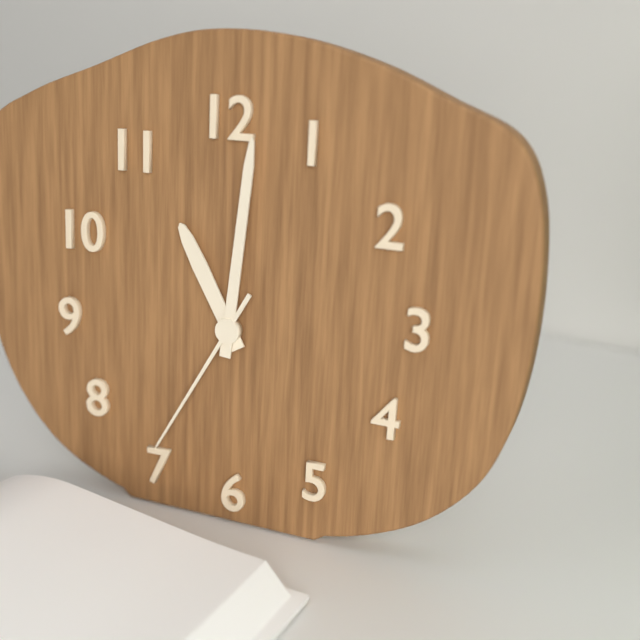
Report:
**11:01:35**
